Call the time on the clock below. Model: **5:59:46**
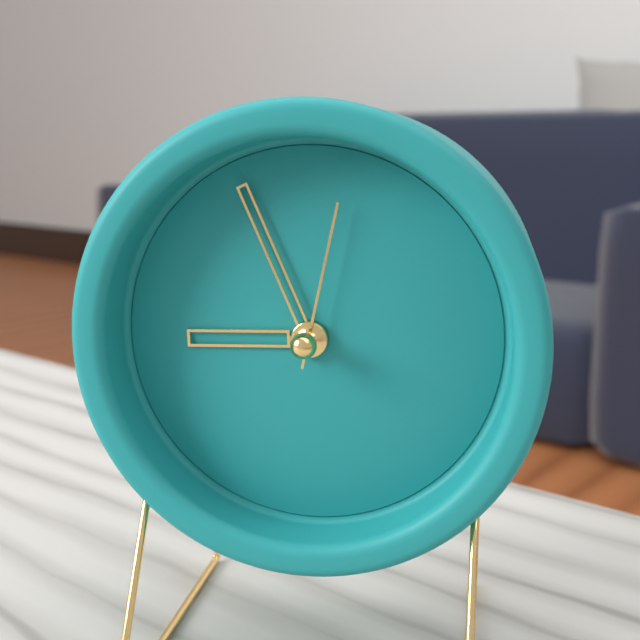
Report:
**8:56:02**
